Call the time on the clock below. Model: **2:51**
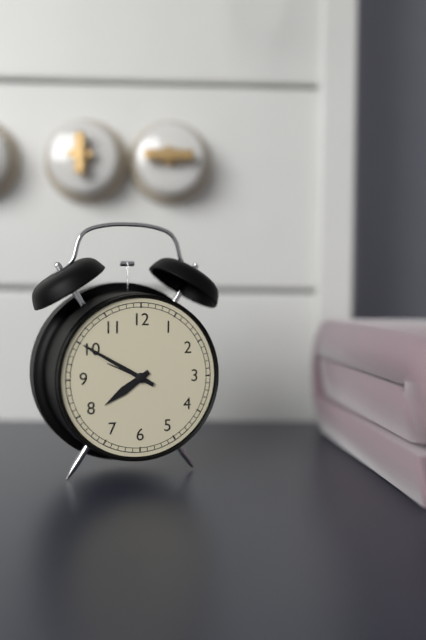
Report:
**7:50**
